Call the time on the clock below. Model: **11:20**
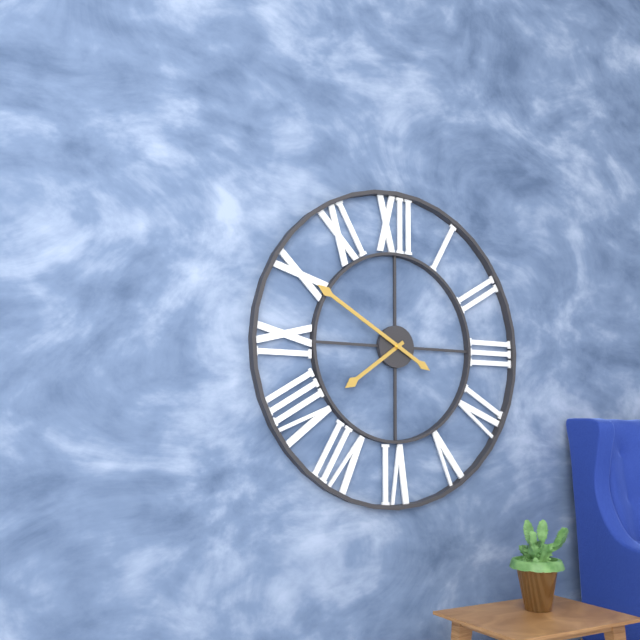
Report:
**7:50**
